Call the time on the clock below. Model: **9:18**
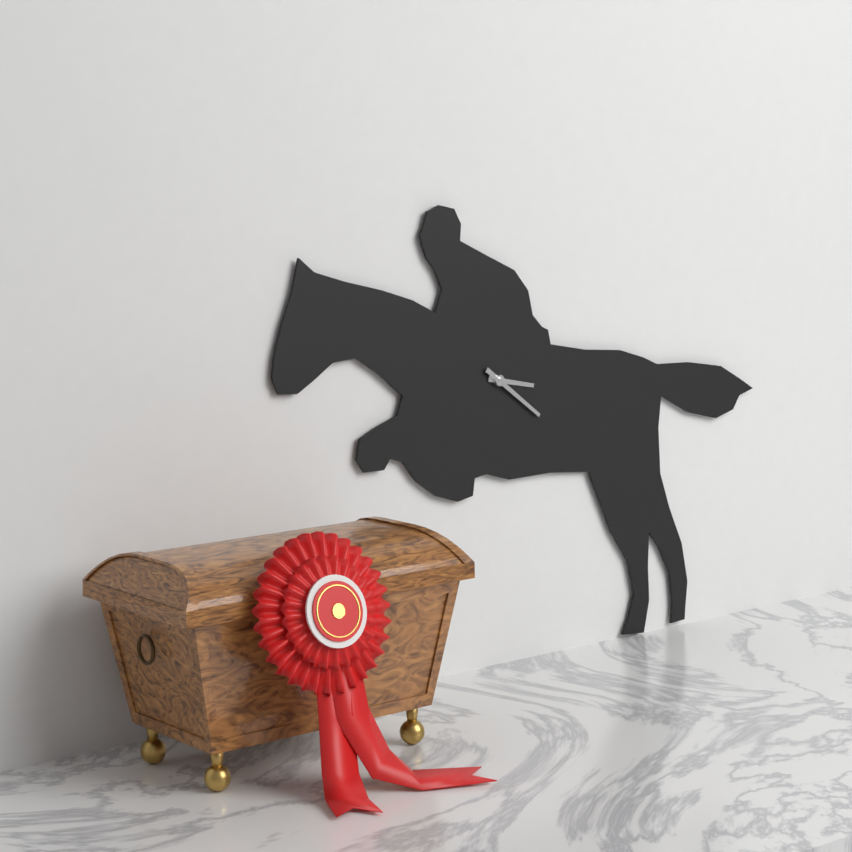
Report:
**3:21**
